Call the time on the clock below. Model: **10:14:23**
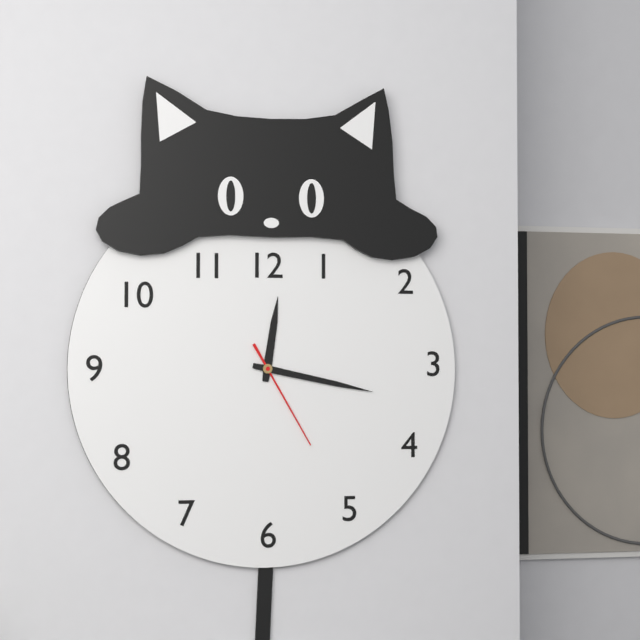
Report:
**12:17:25**
